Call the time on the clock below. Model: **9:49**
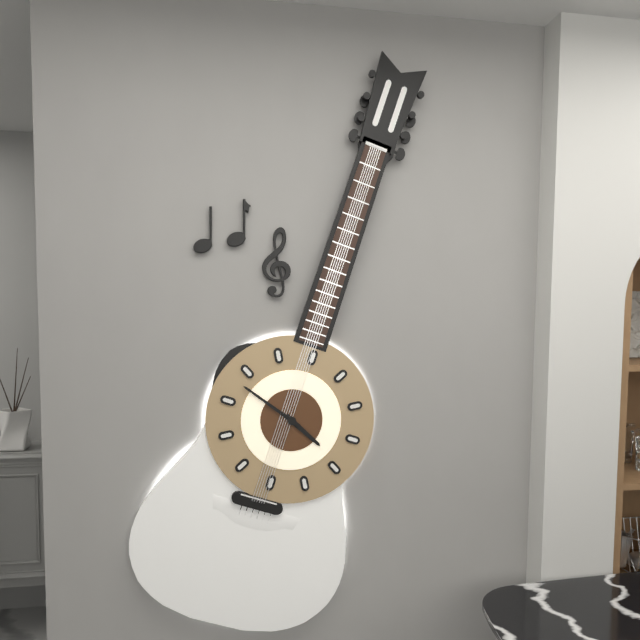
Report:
**3:48**
